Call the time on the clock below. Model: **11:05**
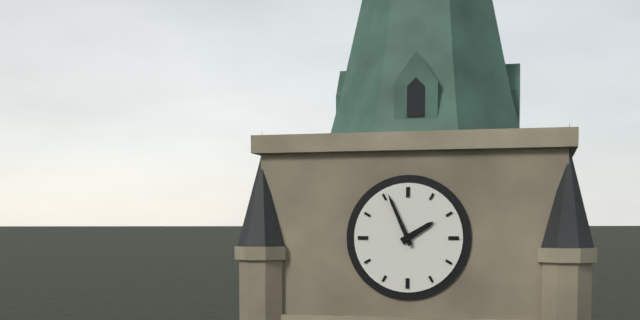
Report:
**1:56**
